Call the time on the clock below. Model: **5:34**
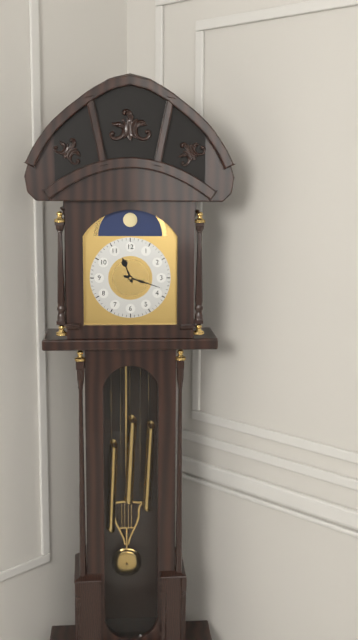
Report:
**11:18**
